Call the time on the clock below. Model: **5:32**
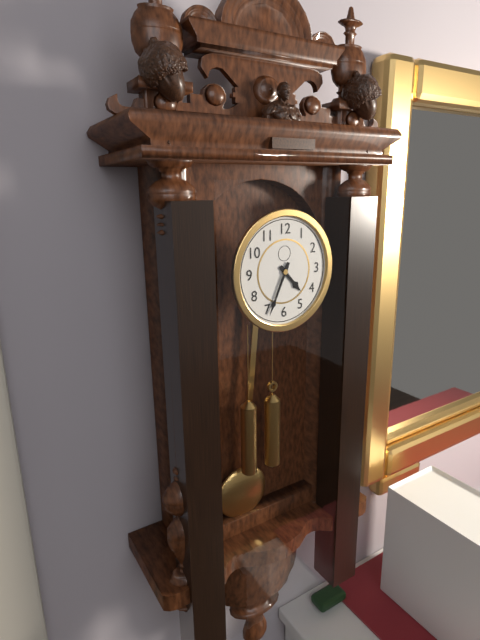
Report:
**4:34**
